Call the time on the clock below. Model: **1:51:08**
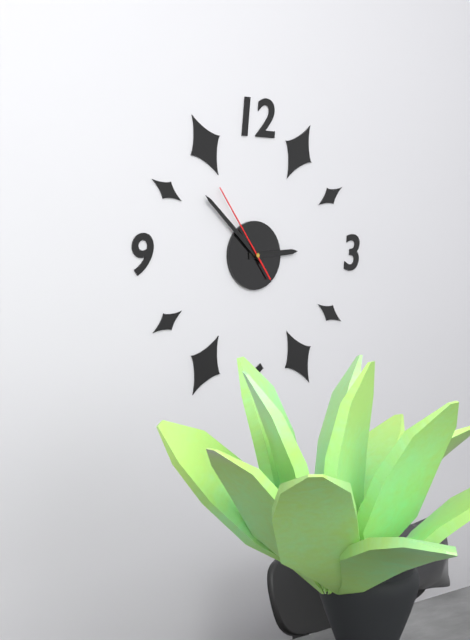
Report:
**2:52:54**
